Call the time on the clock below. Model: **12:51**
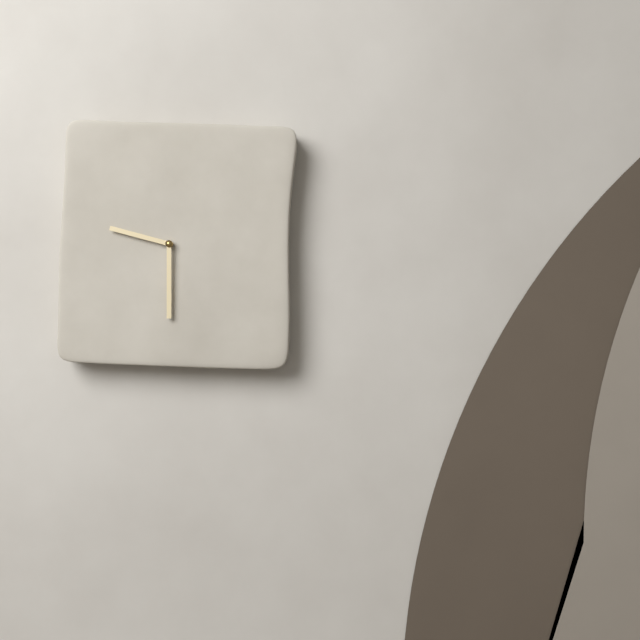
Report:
**9:30**
